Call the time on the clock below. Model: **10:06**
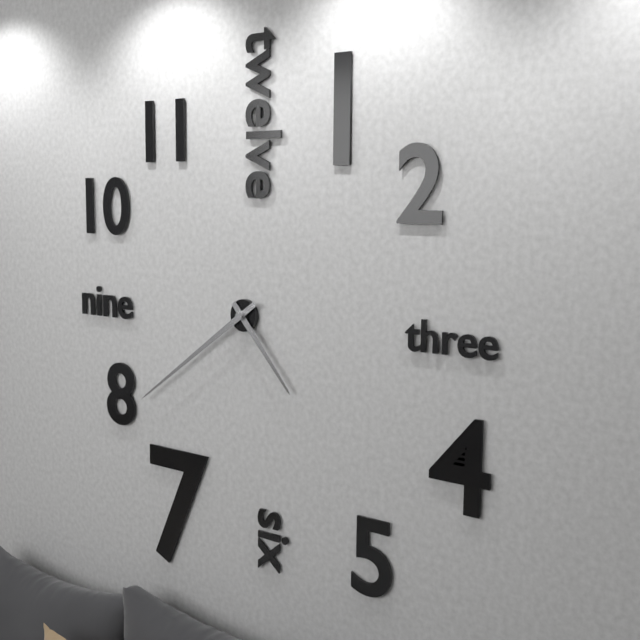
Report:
**4:39**
